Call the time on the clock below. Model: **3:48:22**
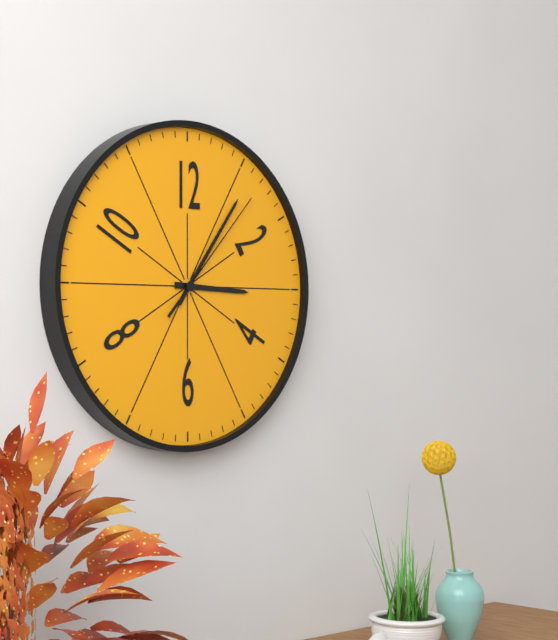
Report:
**3:06:07**
